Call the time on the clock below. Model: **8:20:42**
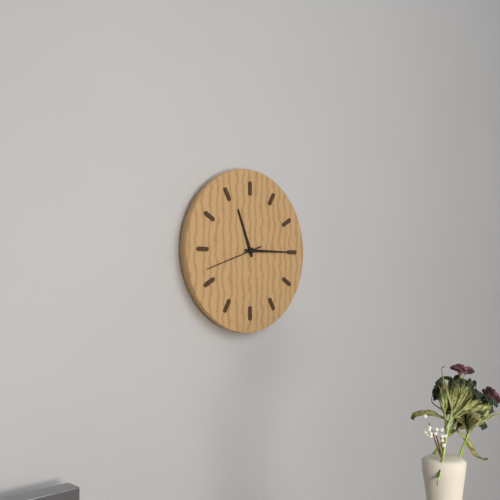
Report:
**11:15:42**
